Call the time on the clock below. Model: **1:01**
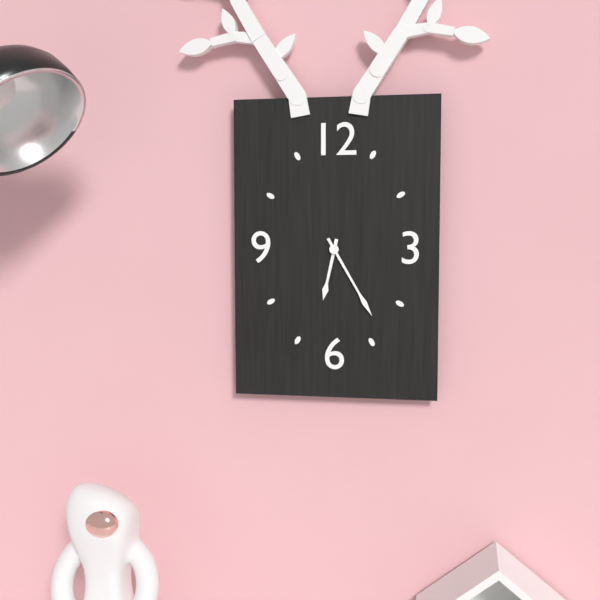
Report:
**6:25**
